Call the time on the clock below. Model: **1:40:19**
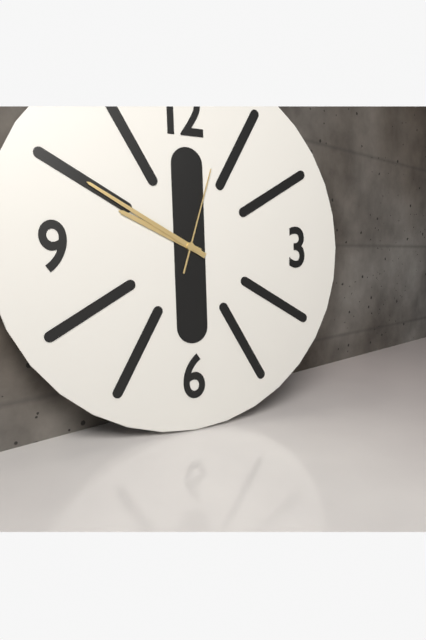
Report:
**9:50:03**
